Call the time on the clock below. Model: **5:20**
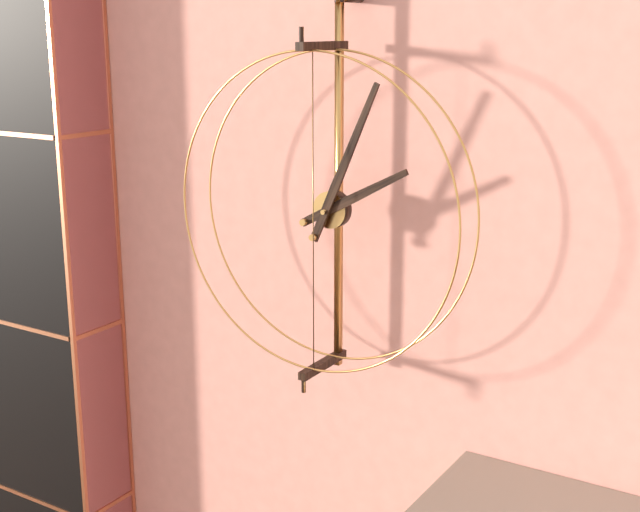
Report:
**2:04**
